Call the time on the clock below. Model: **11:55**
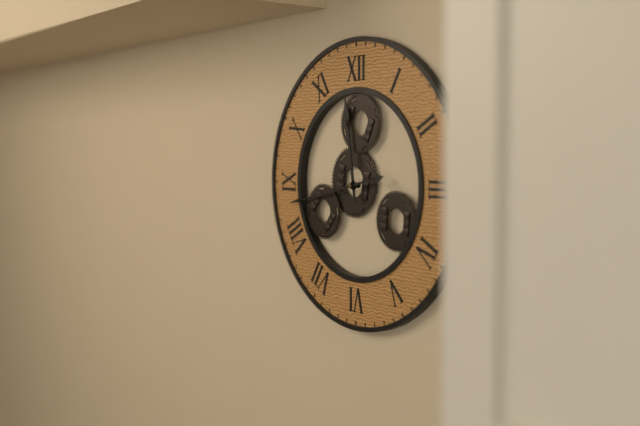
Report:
**11:43**
